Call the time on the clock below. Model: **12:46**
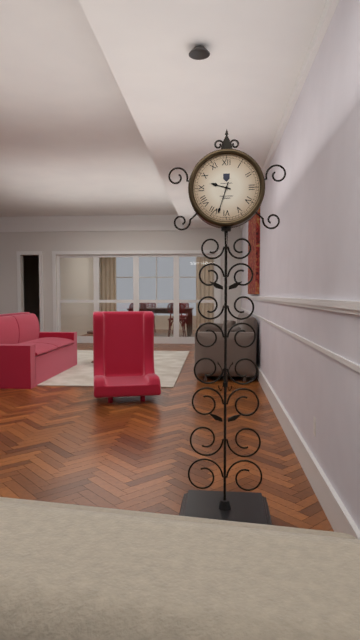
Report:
**9:33**
